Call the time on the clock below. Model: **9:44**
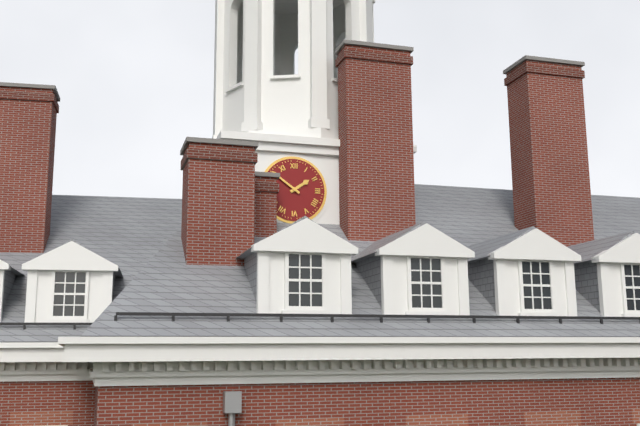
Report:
**1:51**
